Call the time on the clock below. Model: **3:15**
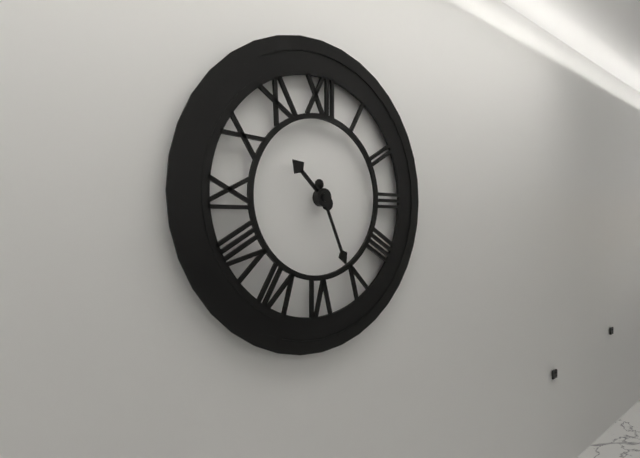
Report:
**10:26**
